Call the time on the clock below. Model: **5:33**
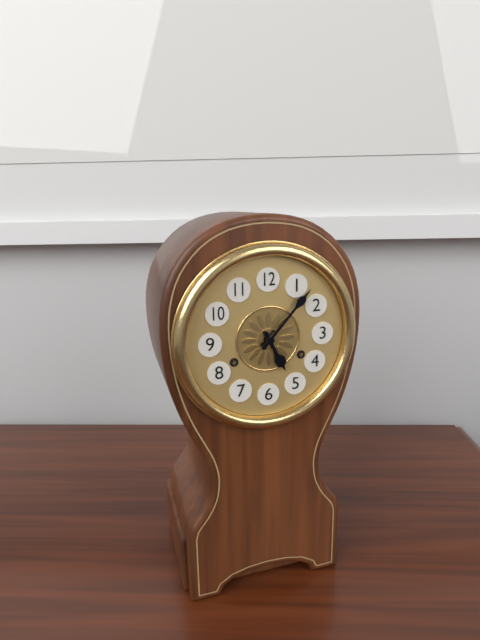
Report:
**5:07**
